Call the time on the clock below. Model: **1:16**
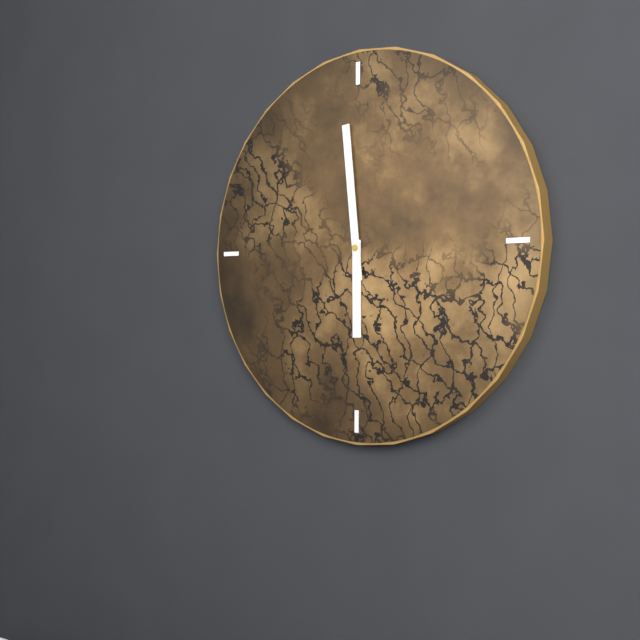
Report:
**5:59**
